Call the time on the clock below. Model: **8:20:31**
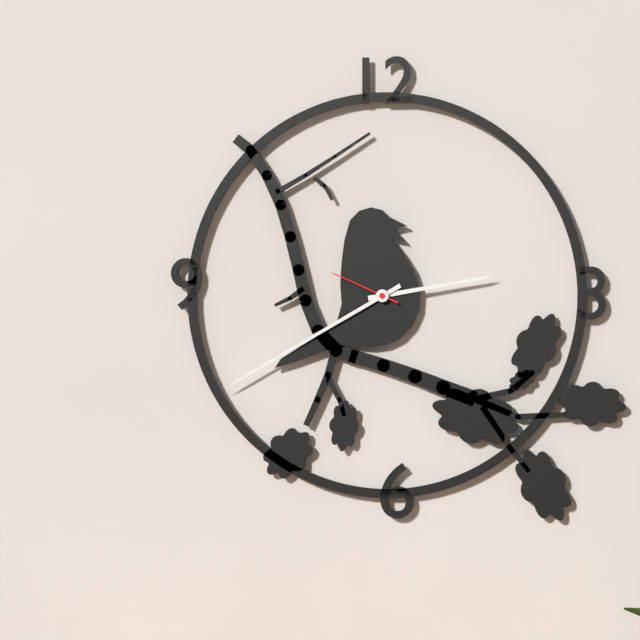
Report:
**2:40:49**
